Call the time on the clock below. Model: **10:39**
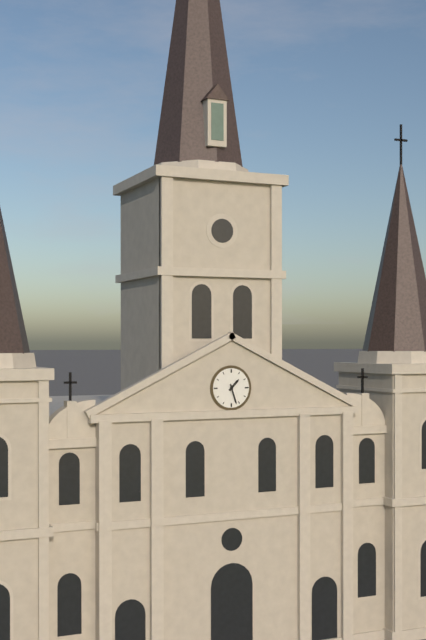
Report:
**1:27**
